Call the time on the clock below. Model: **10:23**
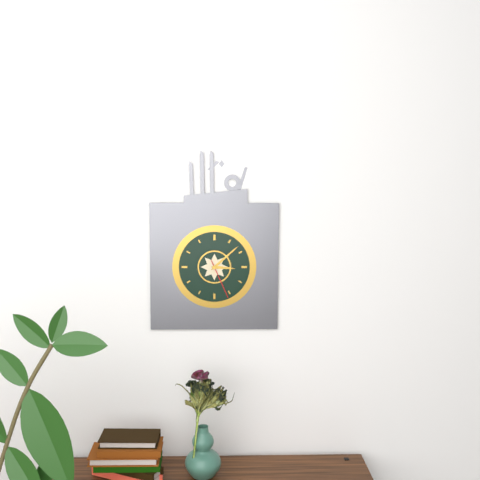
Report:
**3:08**
